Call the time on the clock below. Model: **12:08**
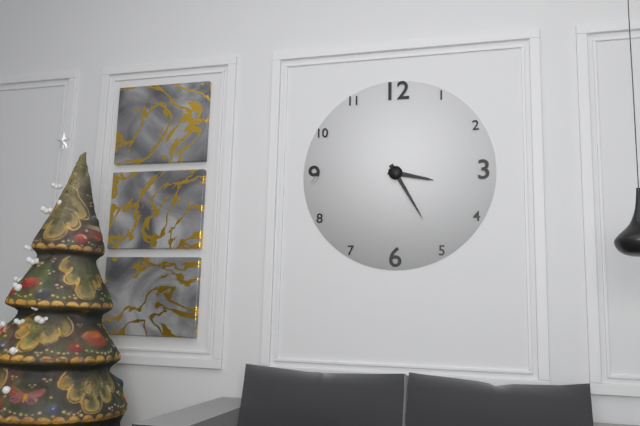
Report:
**3:25**
